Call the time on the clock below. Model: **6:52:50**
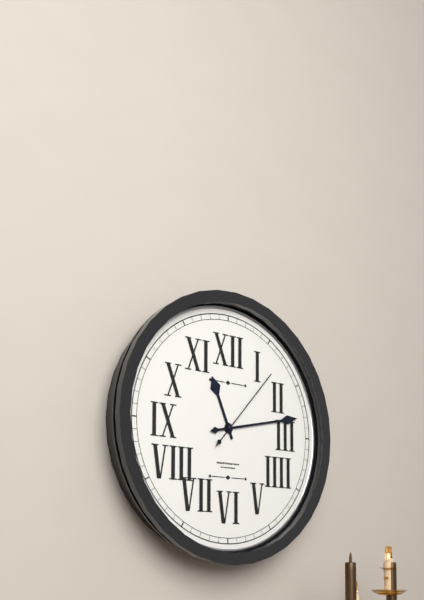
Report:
**11:13:07**
